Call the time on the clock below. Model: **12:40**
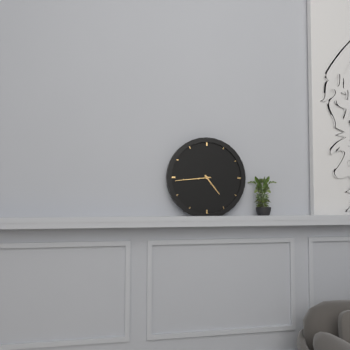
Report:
**4:44**
